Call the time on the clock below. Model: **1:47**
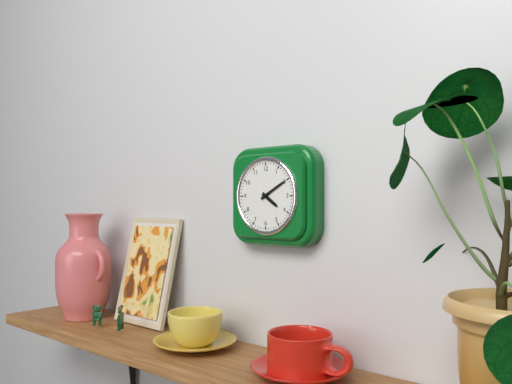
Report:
**4:10**
